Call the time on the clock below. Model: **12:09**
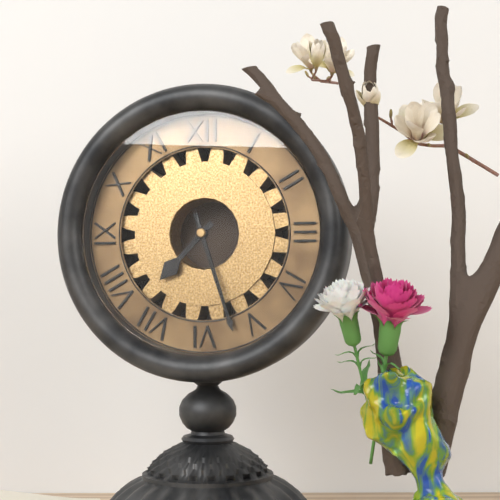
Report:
**7:27**
